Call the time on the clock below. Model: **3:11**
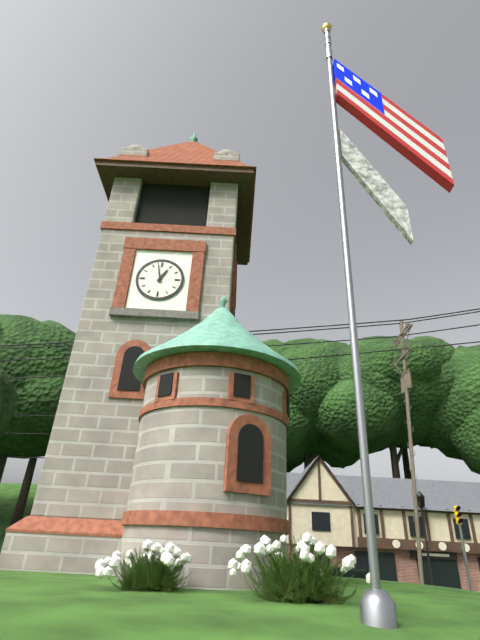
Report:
**12:58**
